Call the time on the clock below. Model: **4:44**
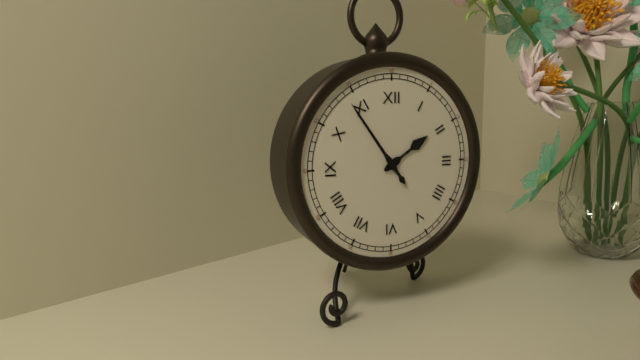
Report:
**1:54**
